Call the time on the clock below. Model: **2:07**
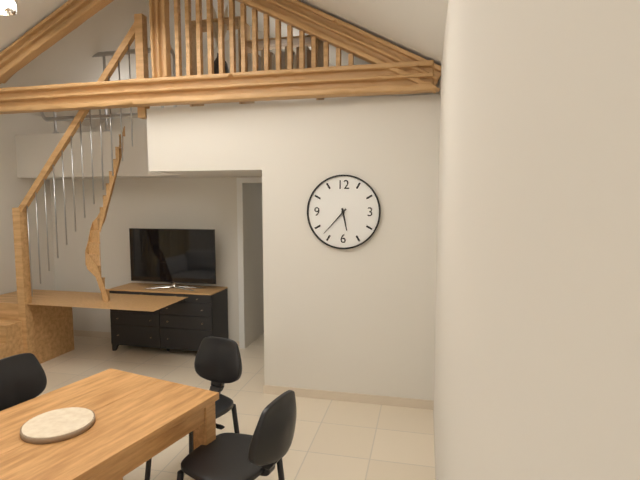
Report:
**5:37**
